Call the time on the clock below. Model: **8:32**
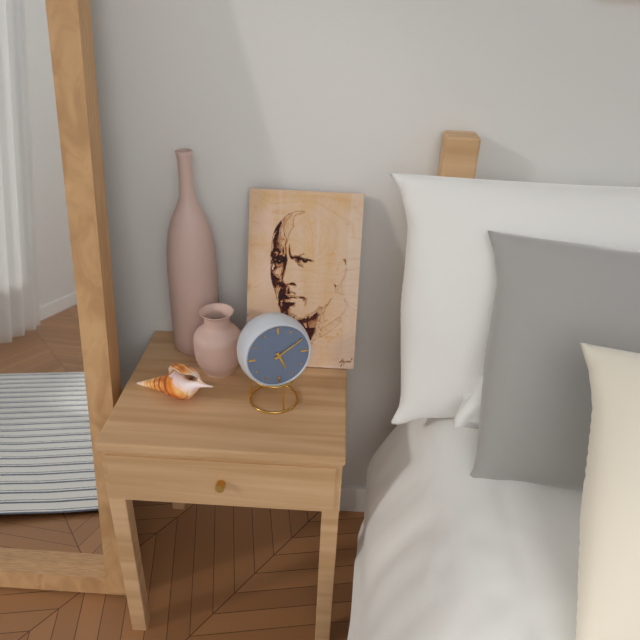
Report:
**5:10**
